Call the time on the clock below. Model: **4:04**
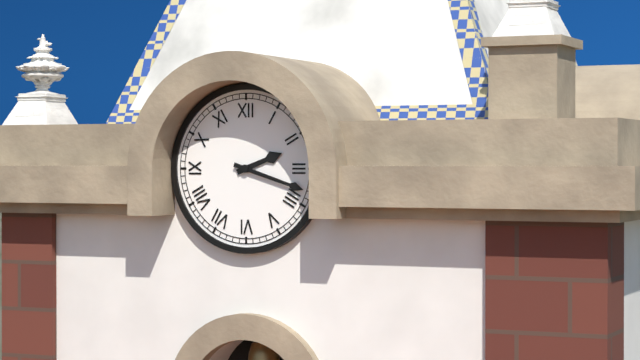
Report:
**2:18**
